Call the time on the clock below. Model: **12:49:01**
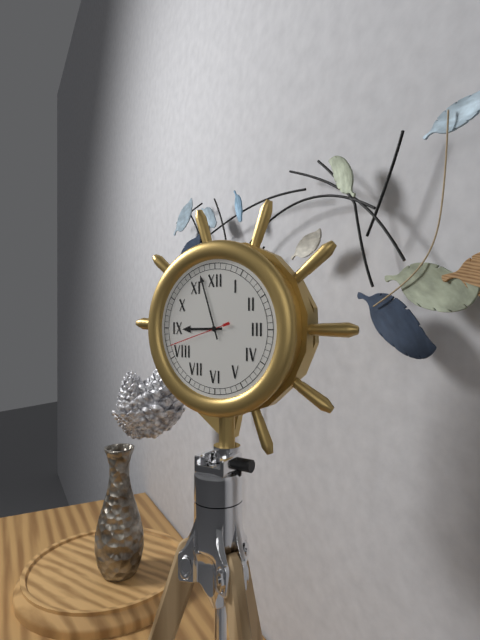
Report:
**8:57:42**
